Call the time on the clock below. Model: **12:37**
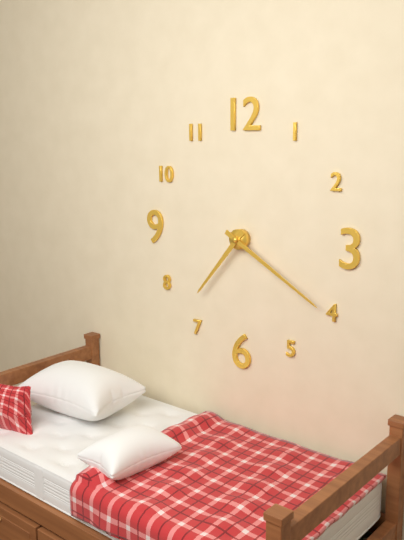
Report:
**7:20**
